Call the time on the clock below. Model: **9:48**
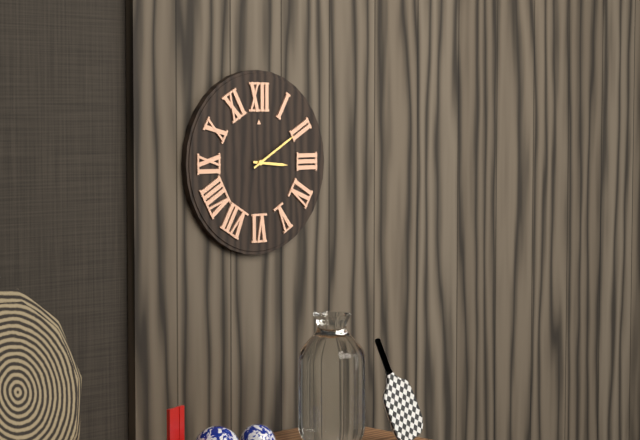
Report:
**3:10**
